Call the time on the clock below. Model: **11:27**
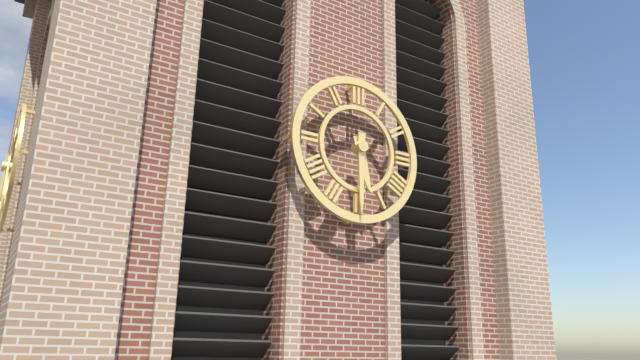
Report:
**5:30**
